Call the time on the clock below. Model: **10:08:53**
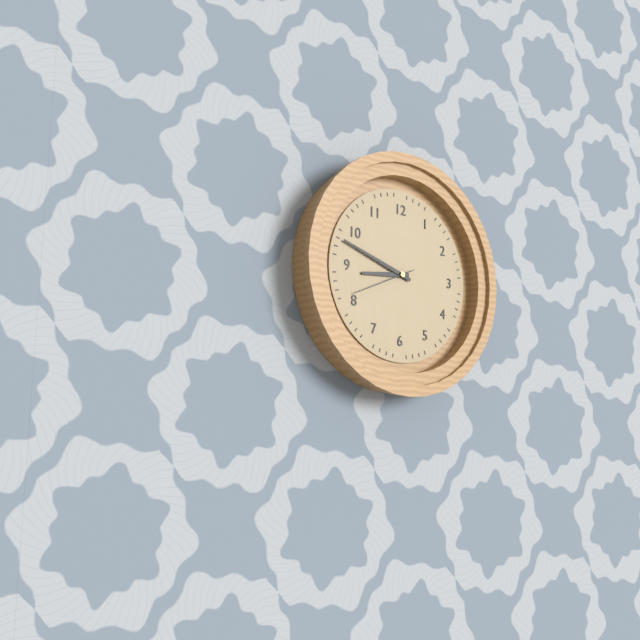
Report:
**8:48:41**
